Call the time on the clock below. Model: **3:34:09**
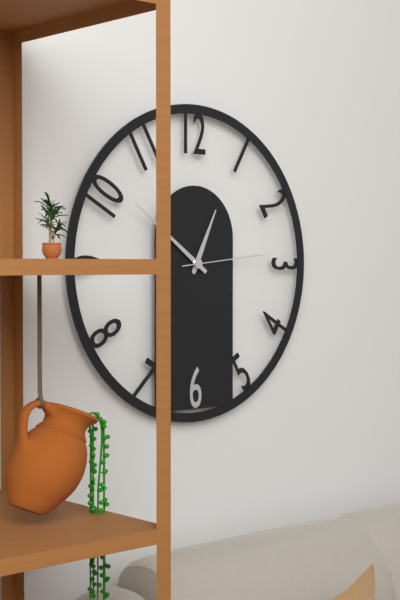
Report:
**12:51:14**
